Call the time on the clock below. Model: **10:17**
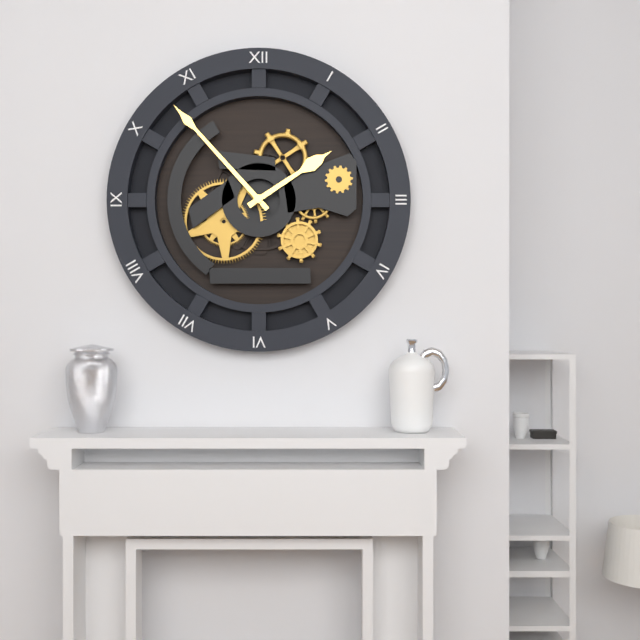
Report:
**1:53**
